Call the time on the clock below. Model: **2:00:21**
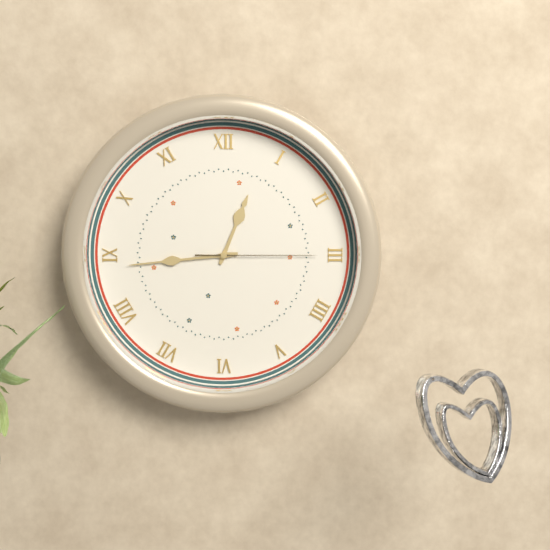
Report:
**12:44:15**
